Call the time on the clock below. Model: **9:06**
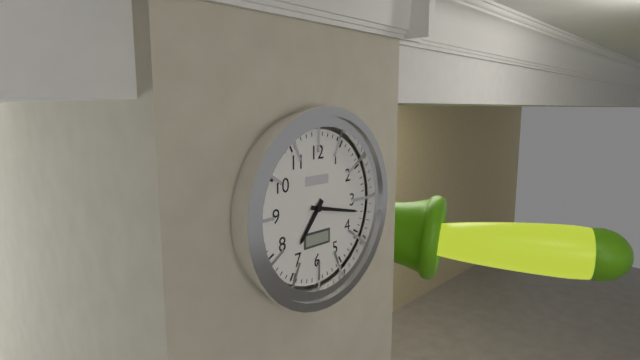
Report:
**7:17**
